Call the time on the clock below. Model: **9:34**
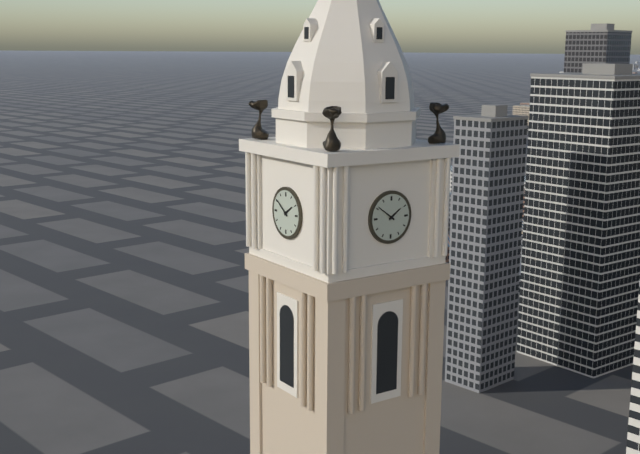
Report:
**1:51**
